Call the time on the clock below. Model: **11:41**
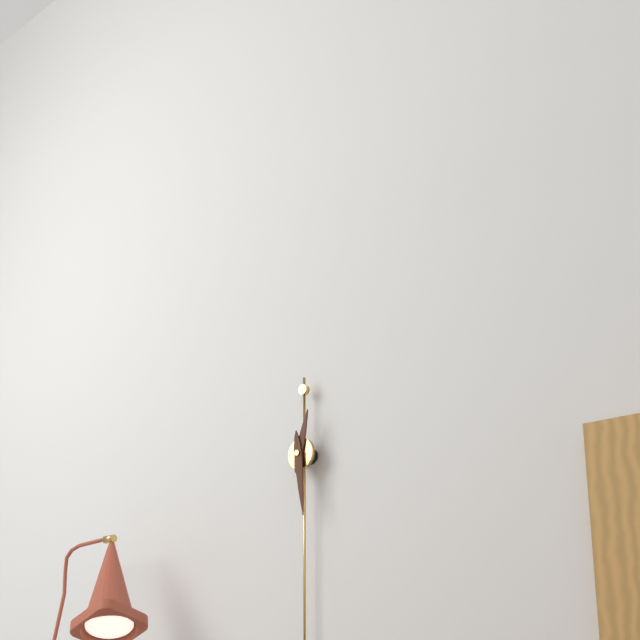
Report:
**12:29**
